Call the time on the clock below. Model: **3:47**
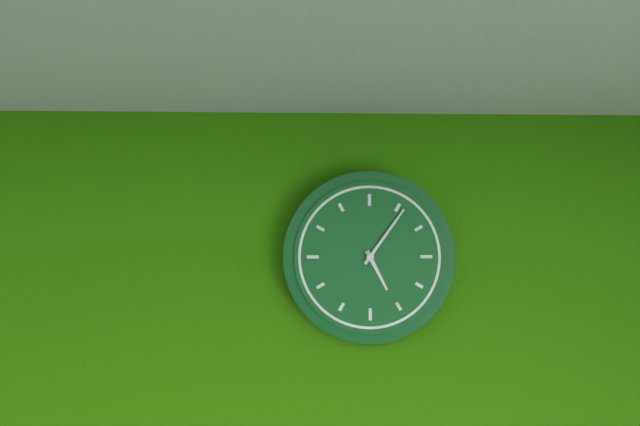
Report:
**5:06**
